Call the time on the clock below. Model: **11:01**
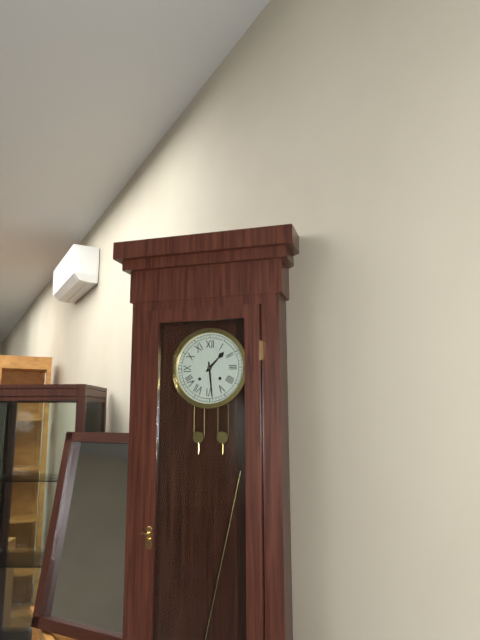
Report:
**1:29**
